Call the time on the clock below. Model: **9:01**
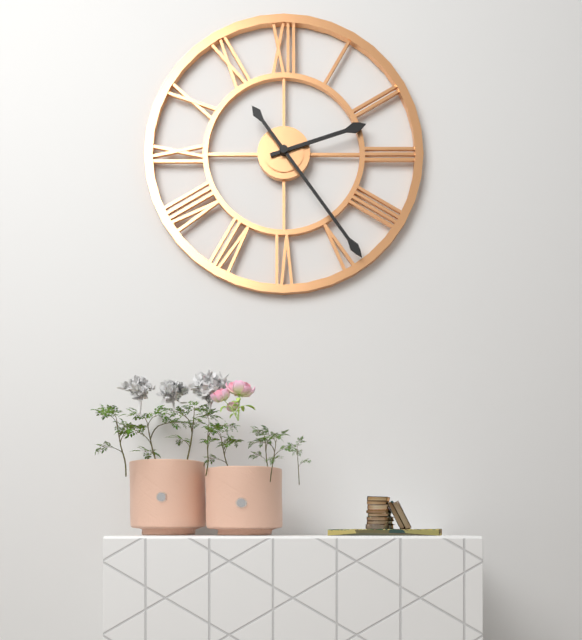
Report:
**2:24**
